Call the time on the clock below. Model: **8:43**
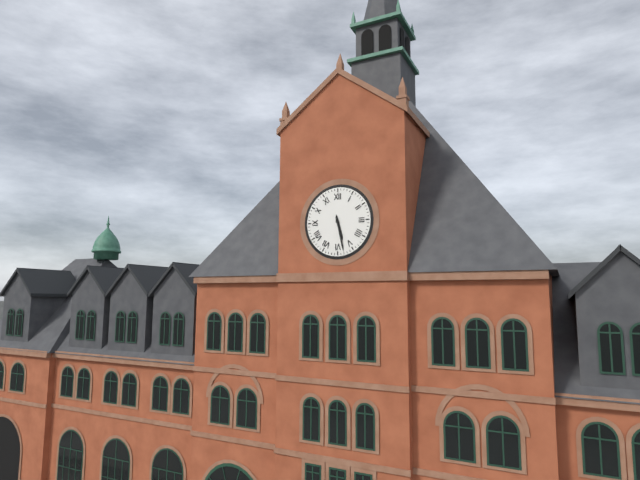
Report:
**5:28**
